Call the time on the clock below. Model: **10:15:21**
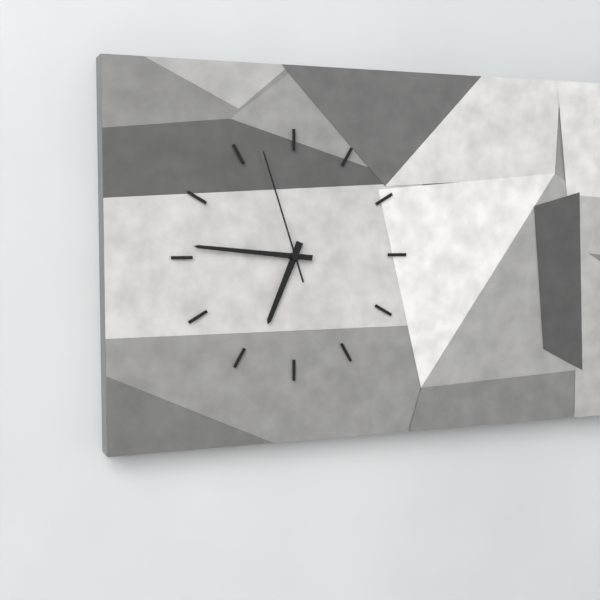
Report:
**6:46:57**
